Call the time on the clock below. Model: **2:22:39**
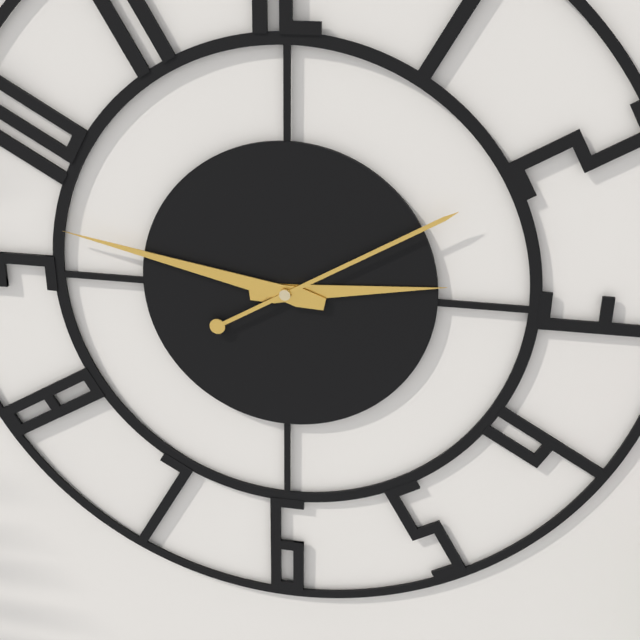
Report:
**2:47:10**
